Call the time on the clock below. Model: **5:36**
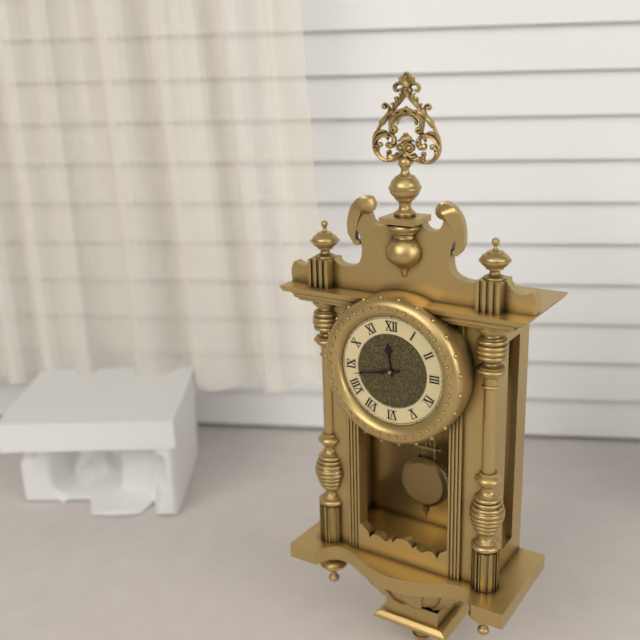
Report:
**11:43**
